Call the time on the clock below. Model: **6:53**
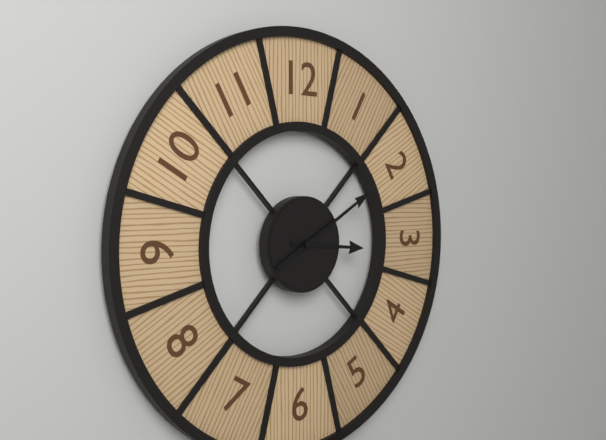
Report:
**3:10**
